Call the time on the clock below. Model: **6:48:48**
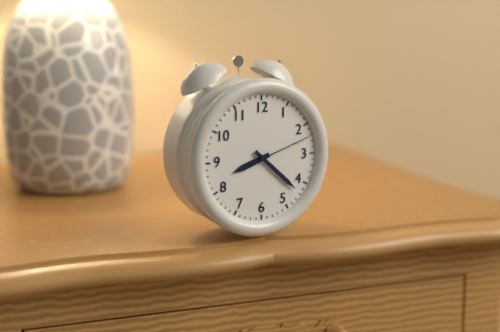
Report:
**8:22:12**
